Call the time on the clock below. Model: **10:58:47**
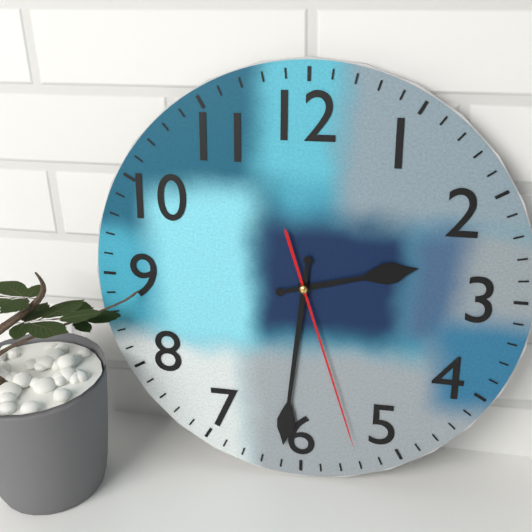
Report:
**2:31:27**
